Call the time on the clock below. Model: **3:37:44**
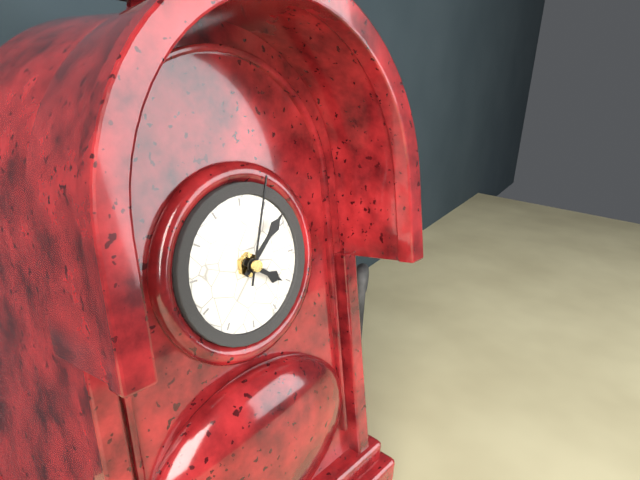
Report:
**4:08:03**
